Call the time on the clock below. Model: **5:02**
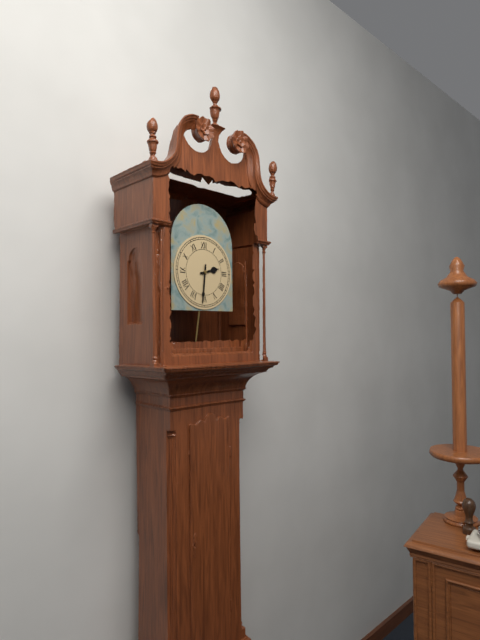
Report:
**2:31**
